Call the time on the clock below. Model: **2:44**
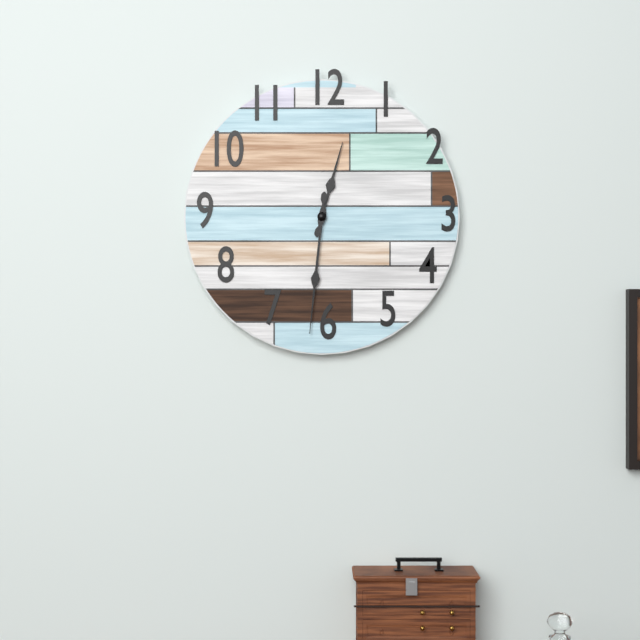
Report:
**12:31**
